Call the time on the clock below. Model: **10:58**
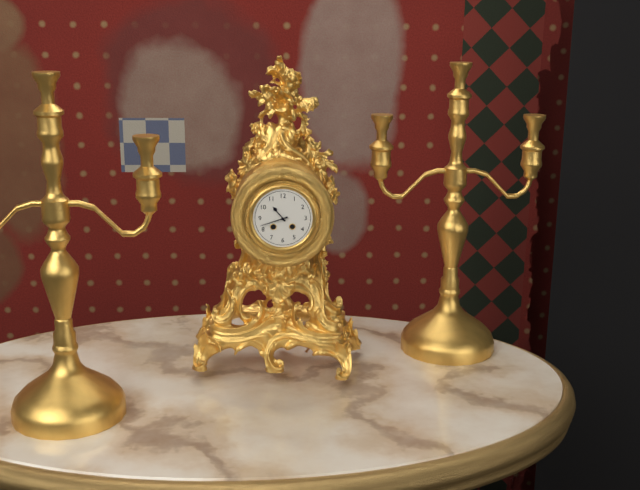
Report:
**10:42**
